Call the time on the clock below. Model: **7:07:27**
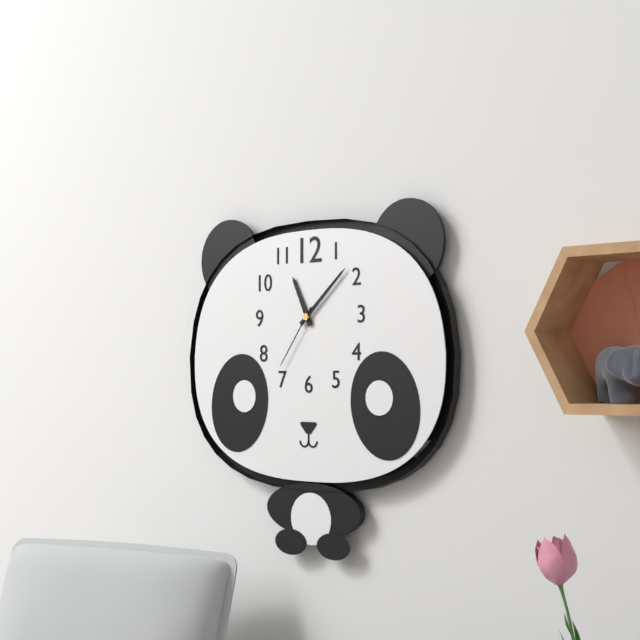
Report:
**11:08:36**
